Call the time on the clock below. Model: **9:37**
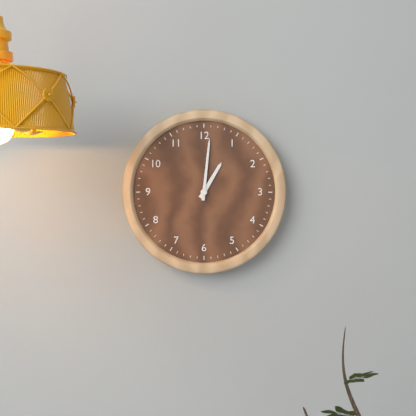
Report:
**1:01**
